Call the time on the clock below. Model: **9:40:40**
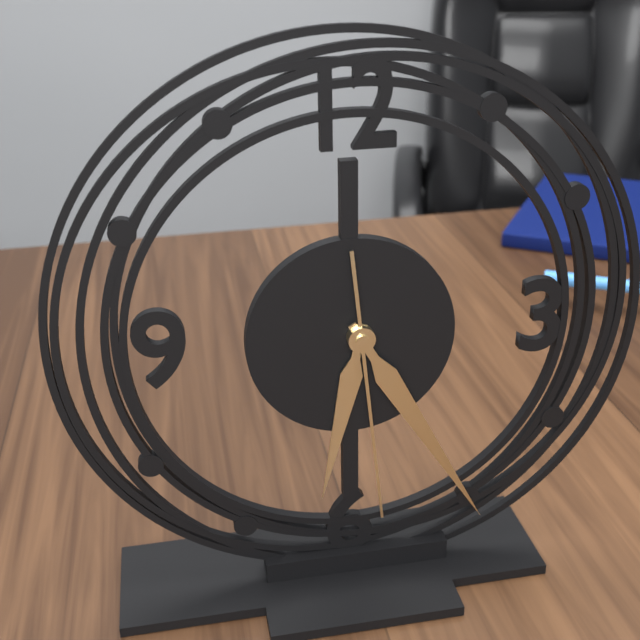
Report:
**6:25:29**
